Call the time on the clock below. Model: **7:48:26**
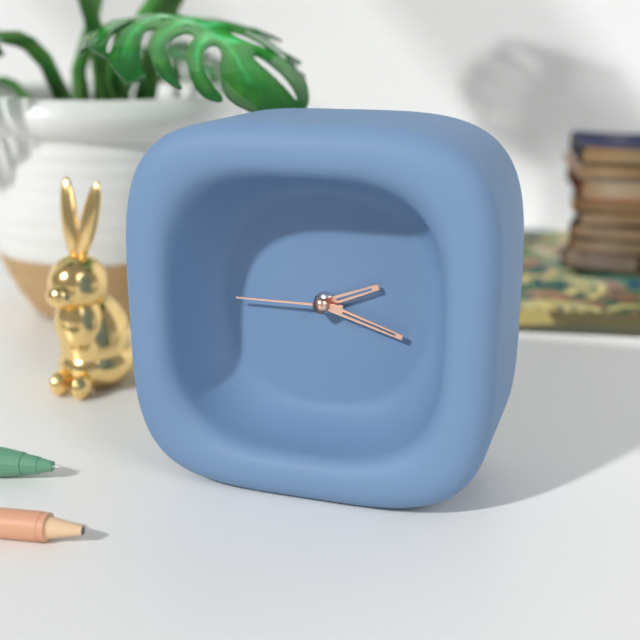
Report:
**2:18:45**
